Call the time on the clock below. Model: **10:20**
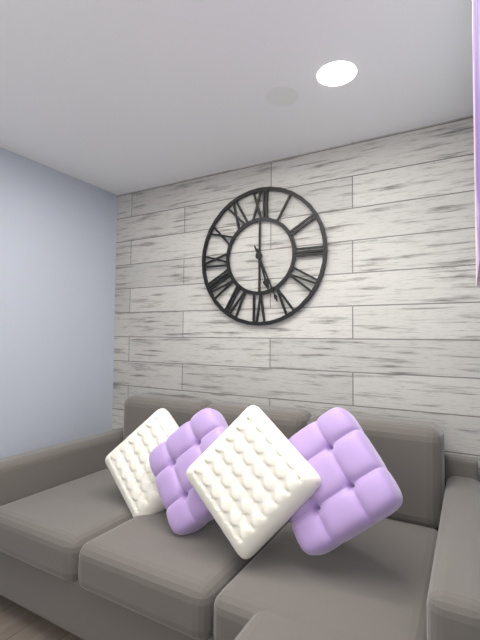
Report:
**5:26**
